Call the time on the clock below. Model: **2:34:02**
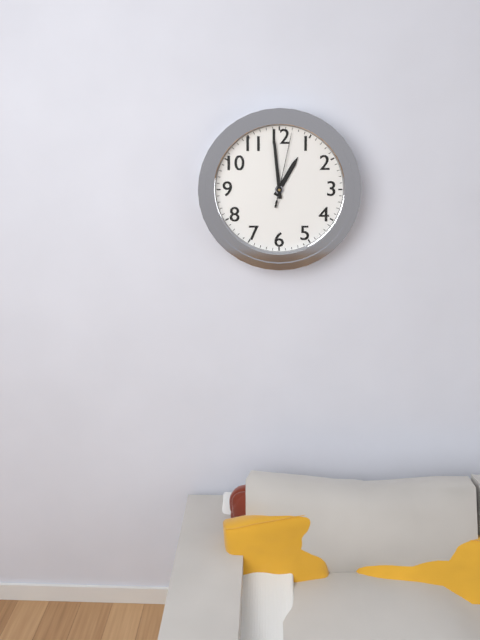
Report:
**12:59:02**
